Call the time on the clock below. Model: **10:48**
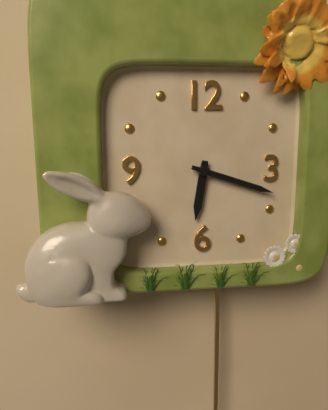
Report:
**6:18**
